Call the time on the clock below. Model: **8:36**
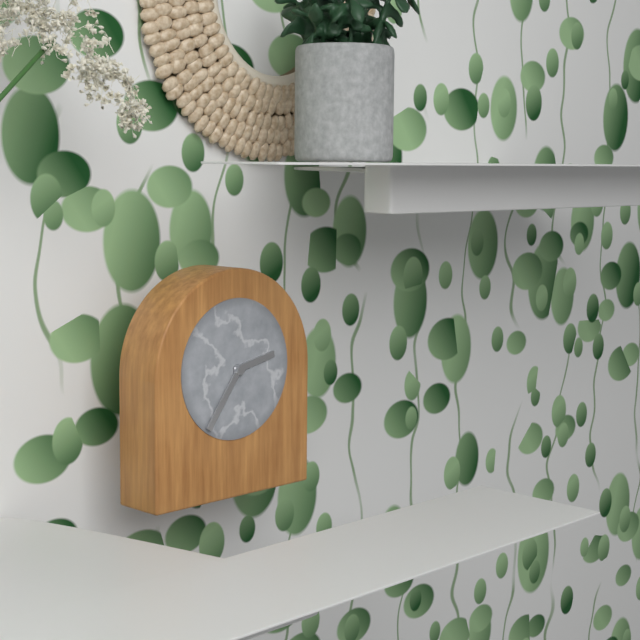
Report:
**2:36**
